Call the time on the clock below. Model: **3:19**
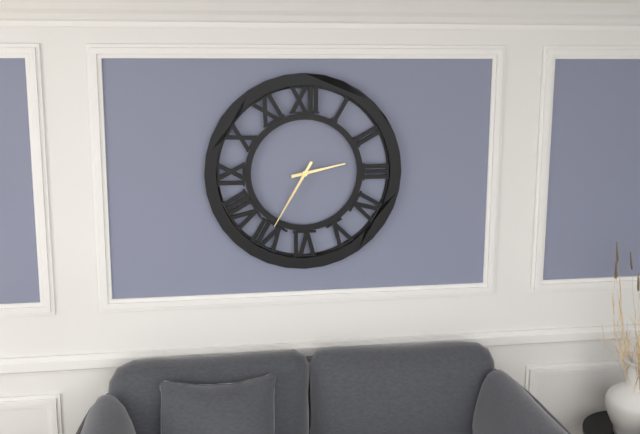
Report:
**2:35**
